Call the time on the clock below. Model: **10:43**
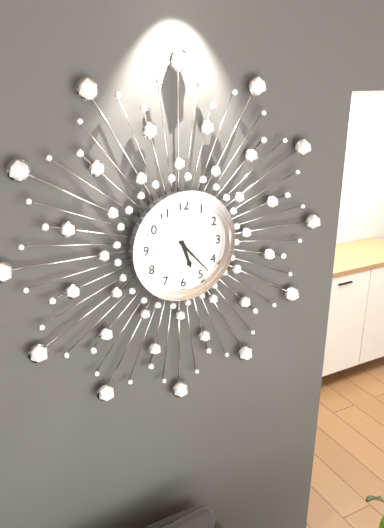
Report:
**5:23**
